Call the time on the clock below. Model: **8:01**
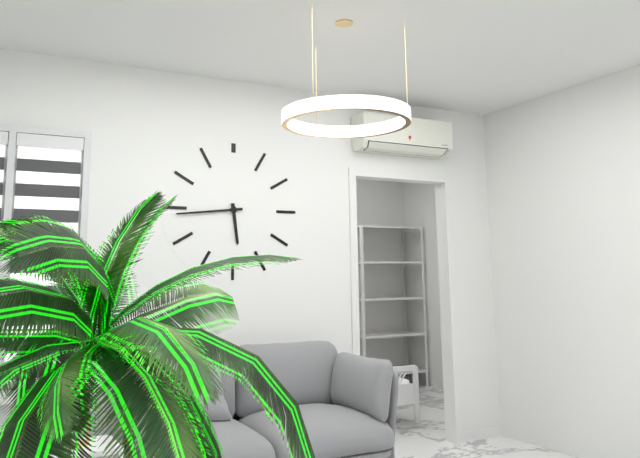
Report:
**5:44**
